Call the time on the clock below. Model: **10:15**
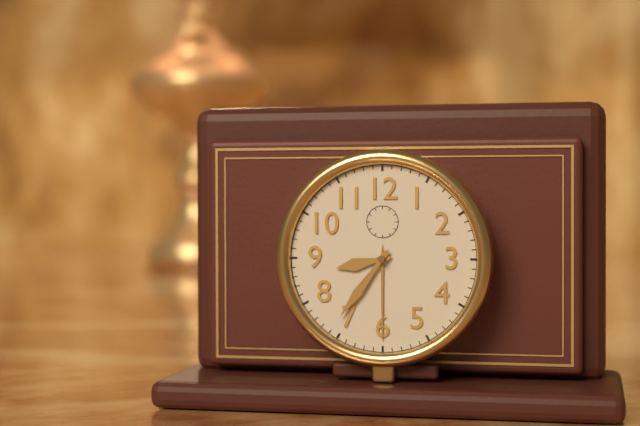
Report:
**8:36**
